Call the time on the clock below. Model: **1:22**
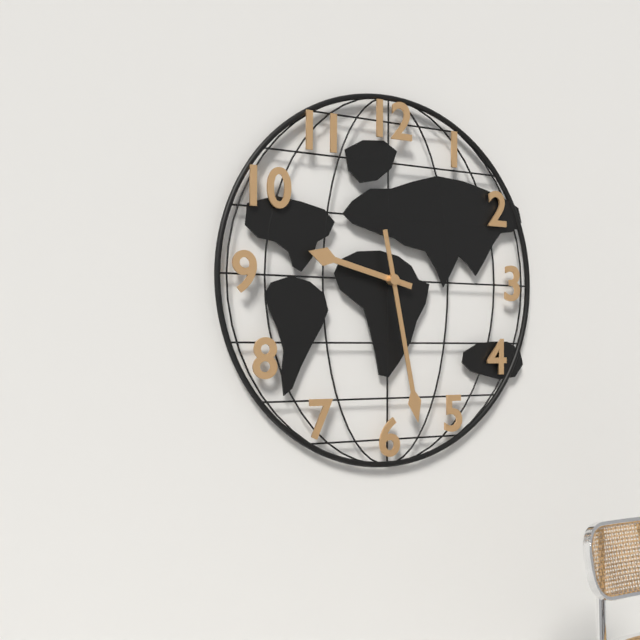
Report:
**9:28**
